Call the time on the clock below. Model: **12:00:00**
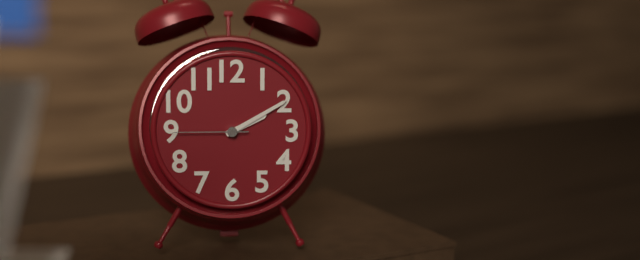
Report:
**2:10:45**
